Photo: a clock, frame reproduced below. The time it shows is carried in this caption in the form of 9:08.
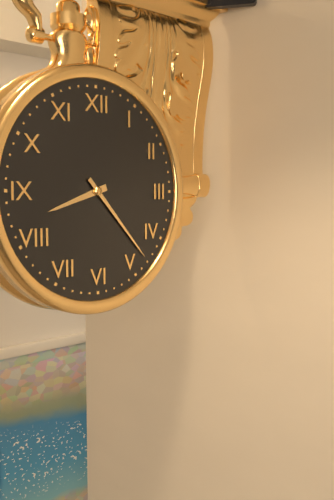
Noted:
8:23
